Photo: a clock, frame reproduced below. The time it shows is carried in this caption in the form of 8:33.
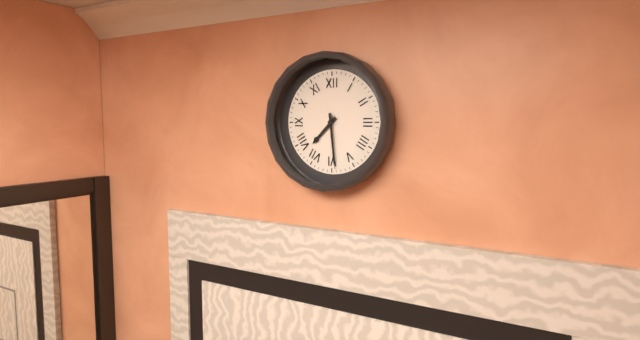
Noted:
7:29
